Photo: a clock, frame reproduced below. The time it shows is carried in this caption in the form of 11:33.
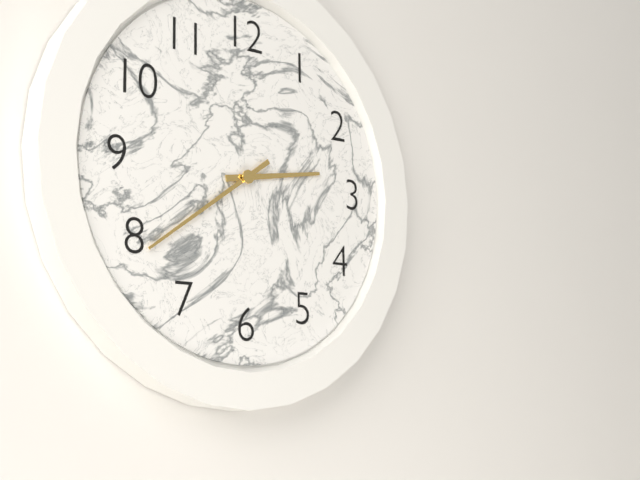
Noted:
2:39
